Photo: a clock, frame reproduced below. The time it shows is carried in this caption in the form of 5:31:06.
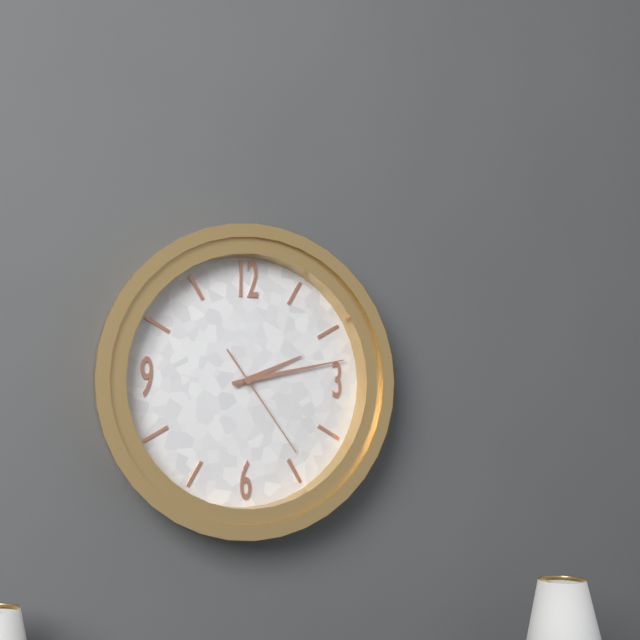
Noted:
2:13:24
